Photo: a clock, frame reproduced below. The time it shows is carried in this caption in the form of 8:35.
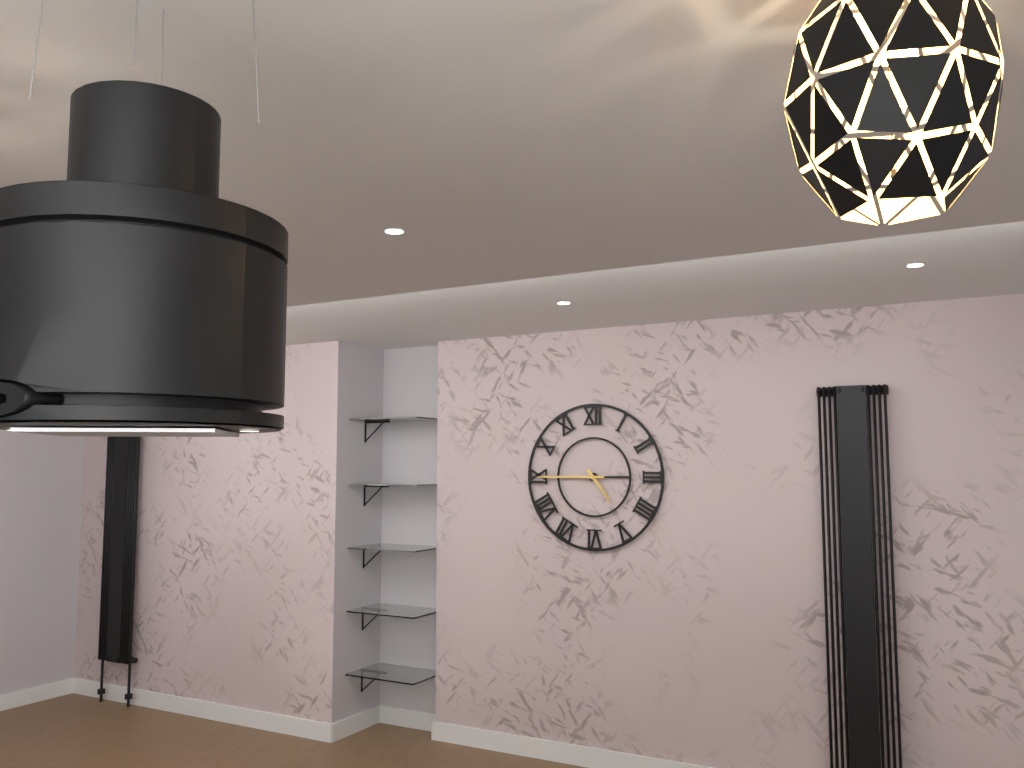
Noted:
4:45
